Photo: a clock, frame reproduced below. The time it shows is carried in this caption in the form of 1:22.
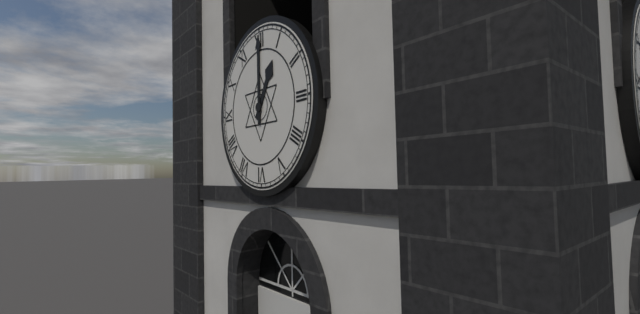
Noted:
1:00
